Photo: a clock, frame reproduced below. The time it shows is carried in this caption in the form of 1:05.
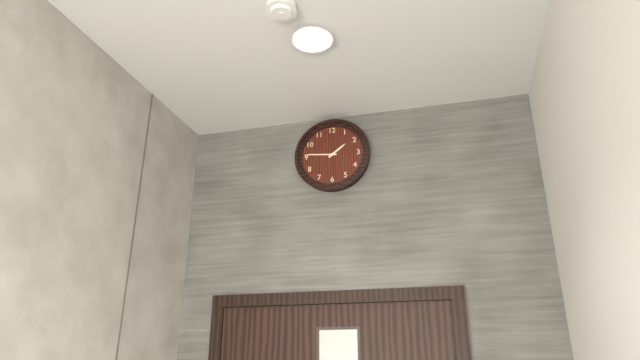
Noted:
1:46
